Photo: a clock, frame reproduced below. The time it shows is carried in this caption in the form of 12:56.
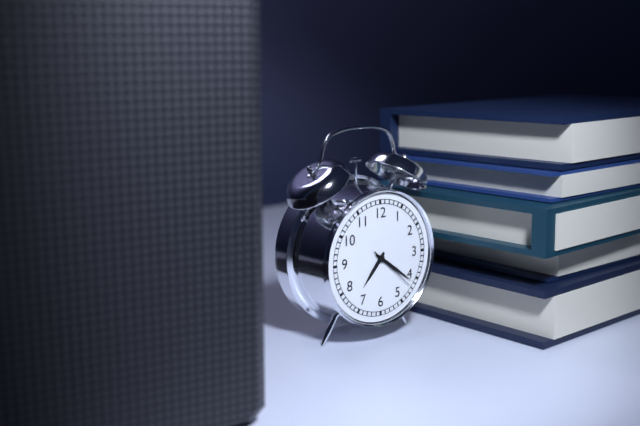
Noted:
7:21
